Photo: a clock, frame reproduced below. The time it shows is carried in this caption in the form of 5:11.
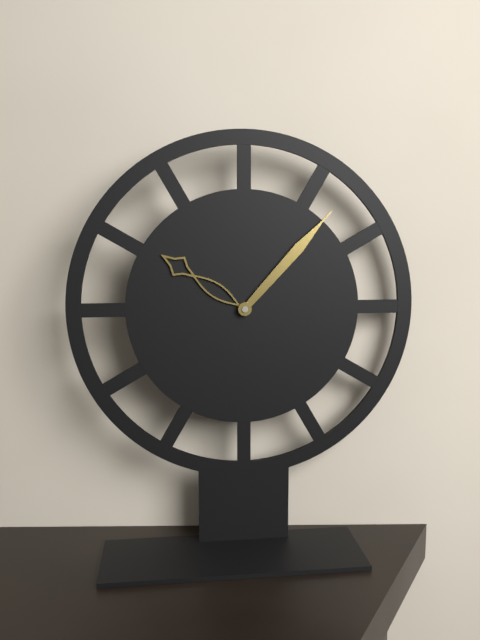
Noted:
10:07
